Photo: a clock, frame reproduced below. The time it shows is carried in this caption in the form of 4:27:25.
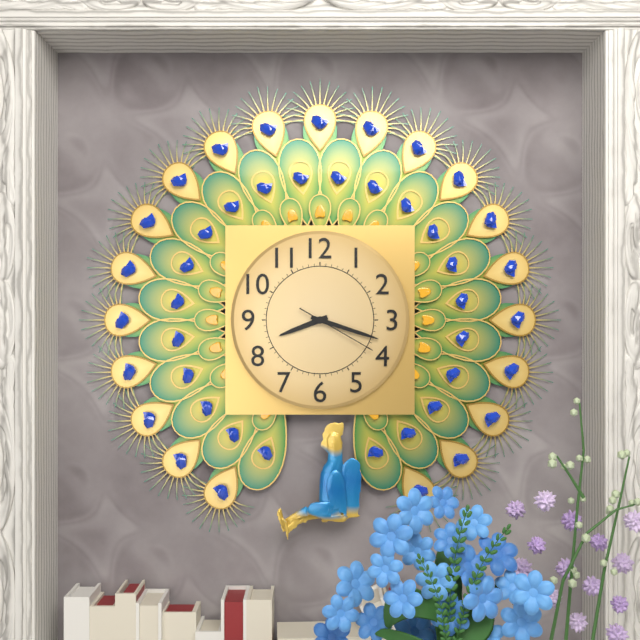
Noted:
8:18:20
